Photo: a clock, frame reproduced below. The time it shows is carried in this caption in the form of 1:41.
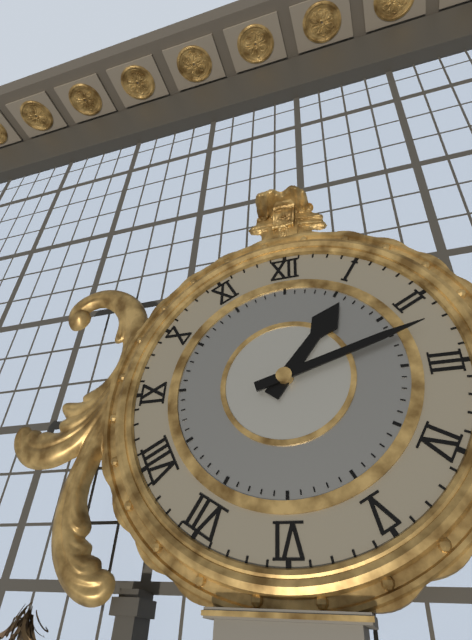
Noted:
1:12
